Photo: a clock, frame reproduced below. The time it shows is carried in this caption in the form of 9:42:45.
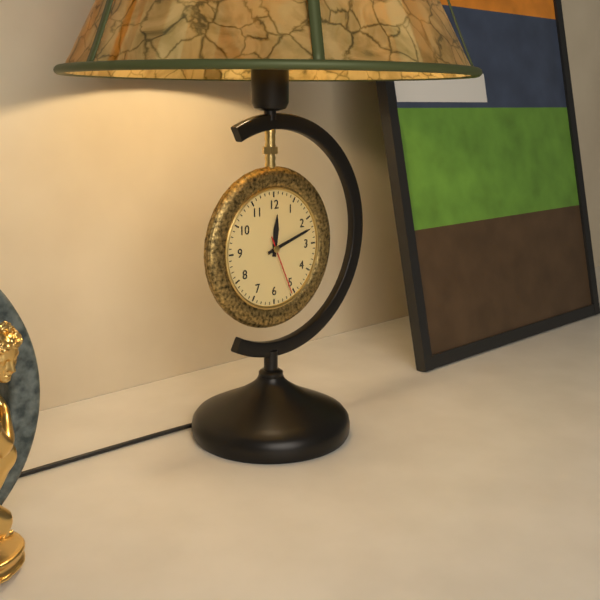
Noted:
12:12:26
